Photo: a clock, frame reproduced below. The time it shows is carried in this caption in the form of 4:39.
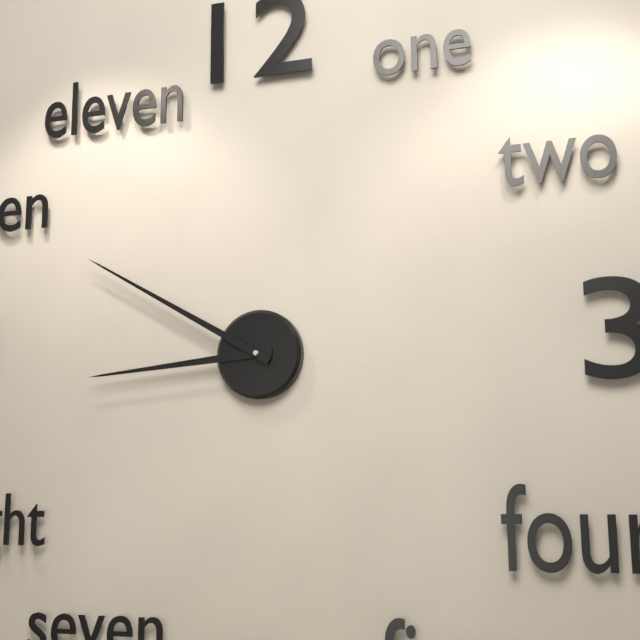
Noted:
8:50
